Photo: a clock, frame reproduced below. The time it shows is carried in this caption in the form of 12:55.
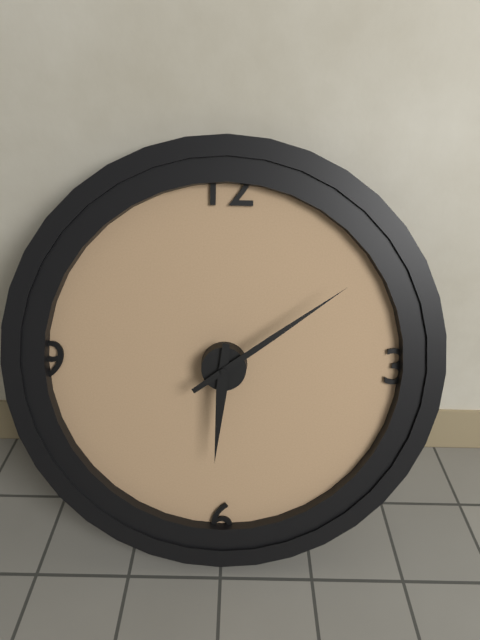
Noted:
6:09
